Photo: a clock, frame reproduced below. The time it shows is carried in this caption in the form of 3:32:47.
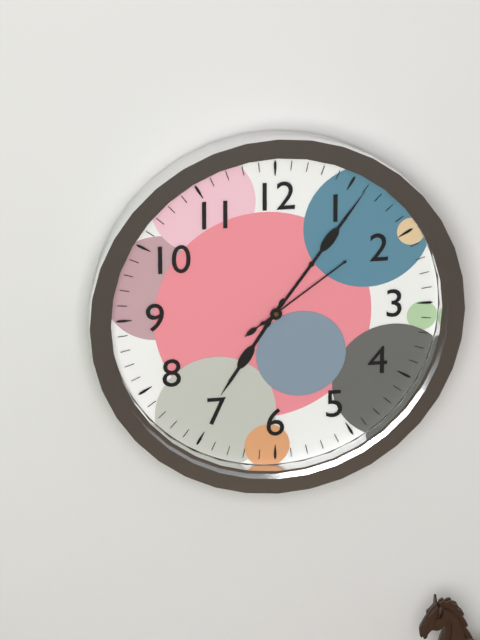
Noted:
7:06:09
